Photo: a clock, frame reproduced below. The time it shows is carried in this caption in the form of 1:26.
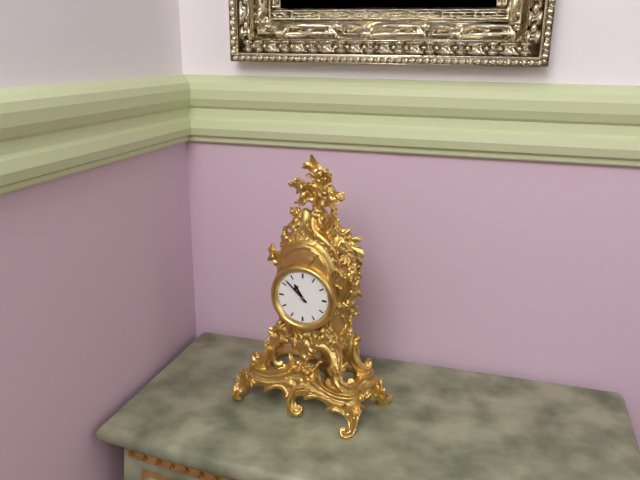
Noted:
10:52
